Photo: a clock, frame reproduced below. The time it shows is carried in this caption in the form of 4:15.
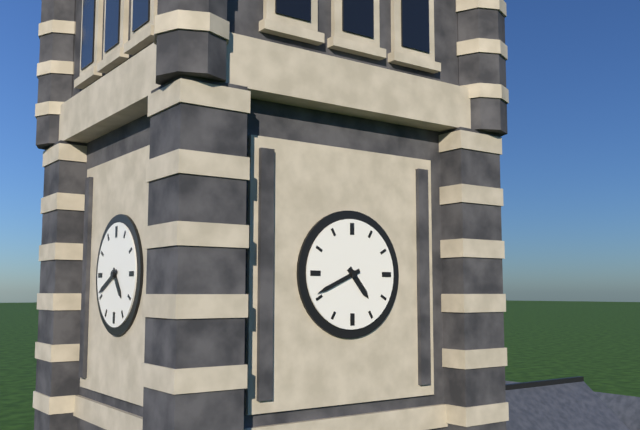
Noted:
4:41
